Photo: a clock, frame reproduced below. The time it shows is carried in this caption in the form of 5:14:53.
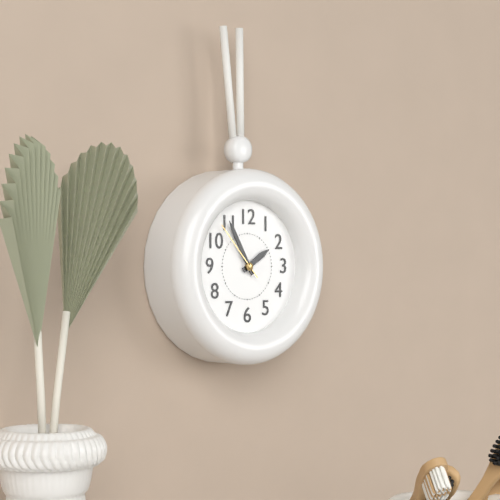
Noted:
1:55:53
